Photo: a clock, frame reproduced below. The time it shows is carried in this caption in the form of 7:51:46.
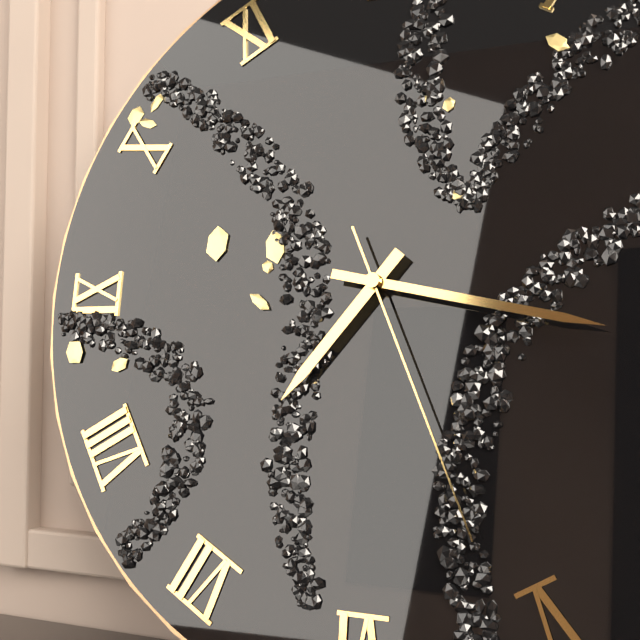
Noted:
7:17:26
